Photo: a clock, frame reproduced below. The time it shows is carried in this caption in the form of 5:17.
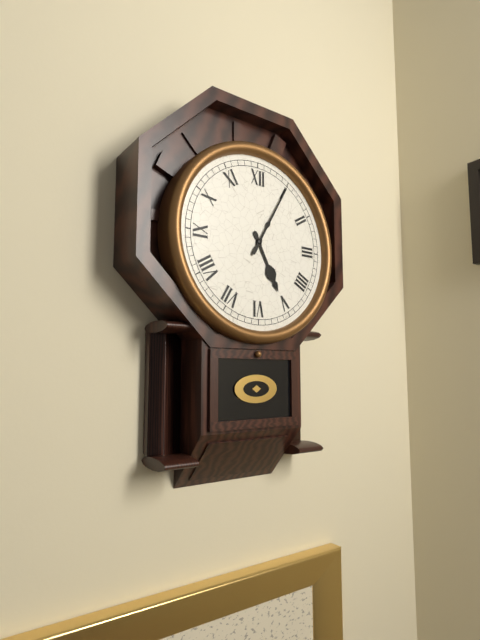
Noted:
5:05
